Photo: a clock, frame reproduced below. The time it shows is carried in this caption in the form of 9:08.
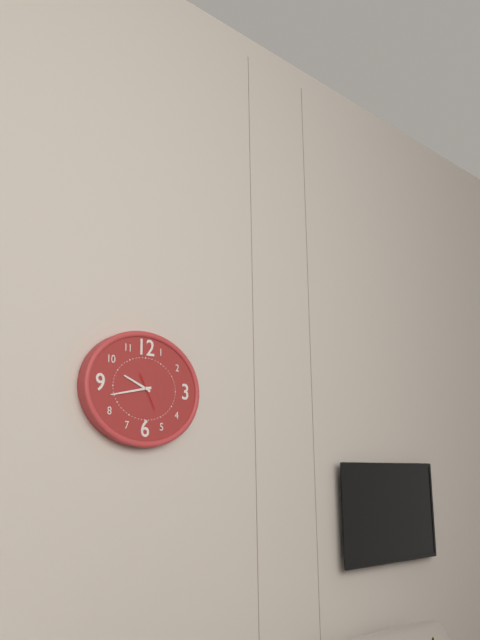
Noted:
9:43
